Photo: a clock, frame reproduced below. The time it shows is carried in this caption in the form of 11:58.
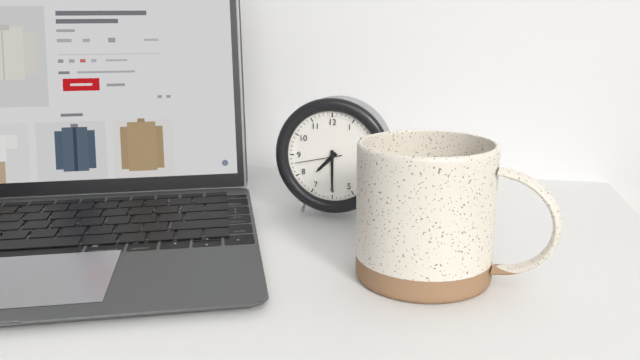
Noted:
7:30
